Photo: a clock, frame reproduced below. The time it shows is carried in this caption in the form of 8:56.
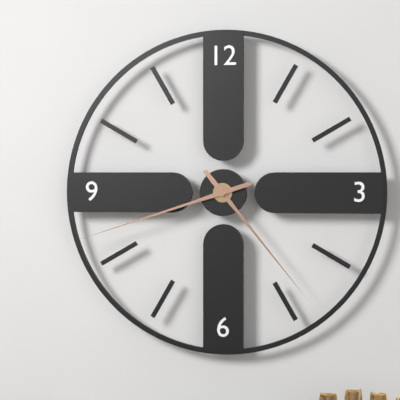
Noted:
4:42
